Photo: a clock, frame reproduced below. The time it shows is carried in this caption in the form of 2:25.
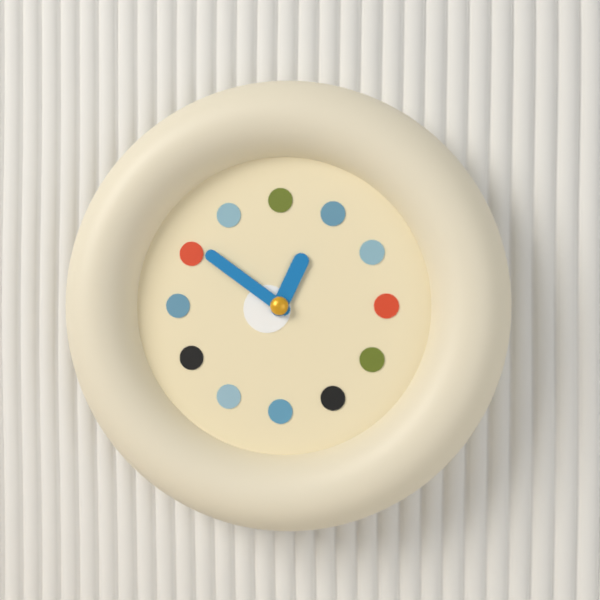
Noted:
12:51
